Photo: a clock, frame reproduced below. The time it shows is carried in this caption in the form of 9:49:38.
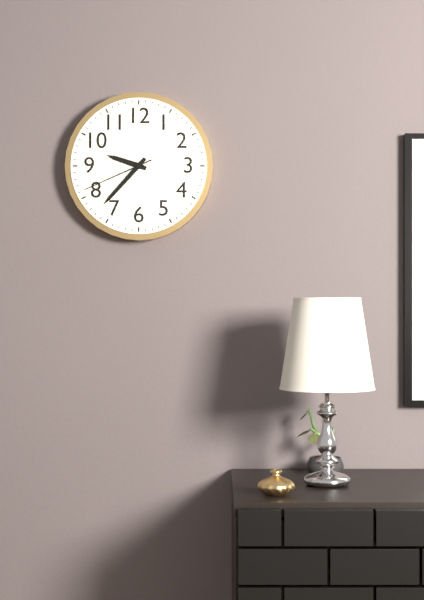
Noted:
9:37:41
